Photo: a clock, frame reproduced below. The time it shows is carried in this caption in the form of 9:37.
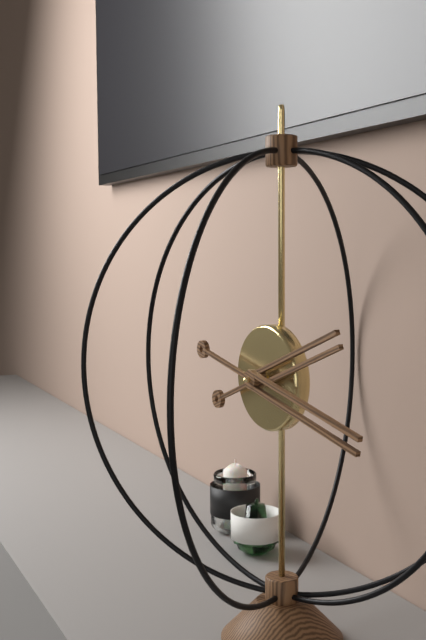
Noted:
2:17
